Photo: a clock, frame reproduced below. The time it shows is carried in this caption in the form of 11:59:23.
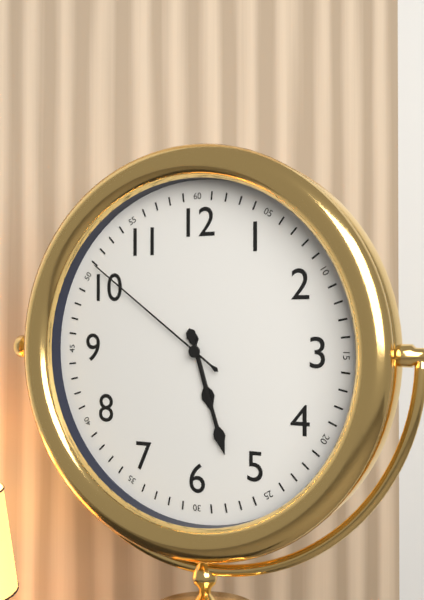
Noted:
5:27:51
